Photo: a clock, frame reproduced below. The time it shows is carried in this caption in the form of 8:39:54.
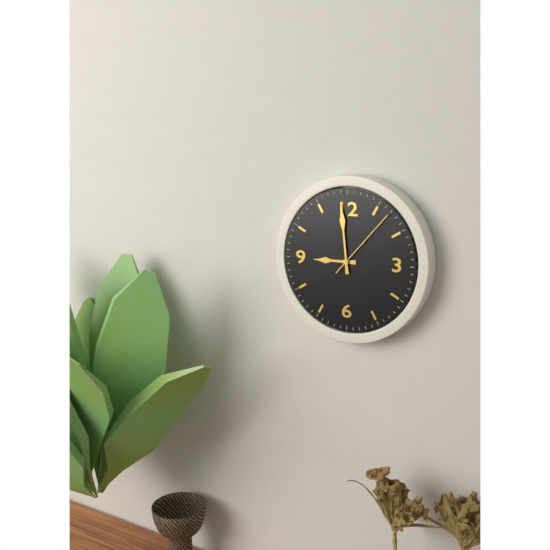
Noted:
8:59:07
